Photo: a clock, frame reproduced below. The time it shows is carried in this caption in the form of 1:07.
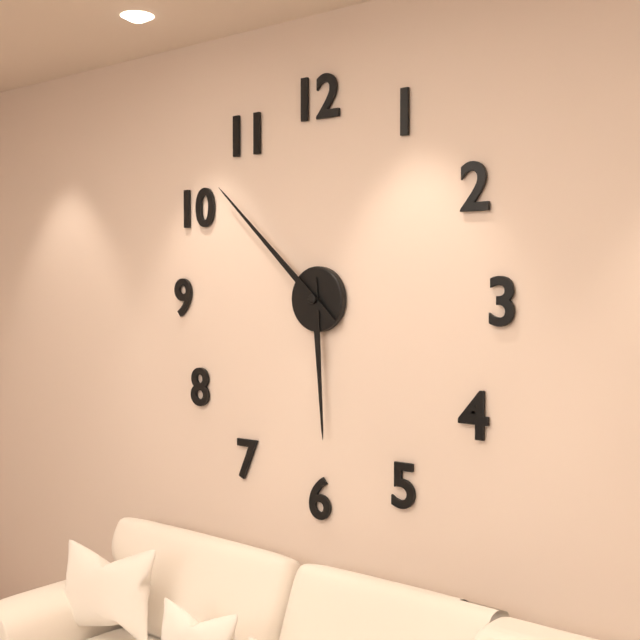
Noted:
5:52
